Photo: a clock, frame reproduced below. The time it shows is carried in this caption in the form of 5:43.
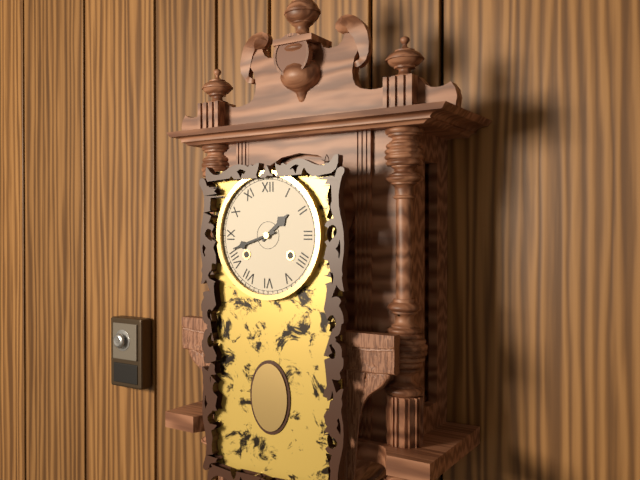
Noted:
1:42
